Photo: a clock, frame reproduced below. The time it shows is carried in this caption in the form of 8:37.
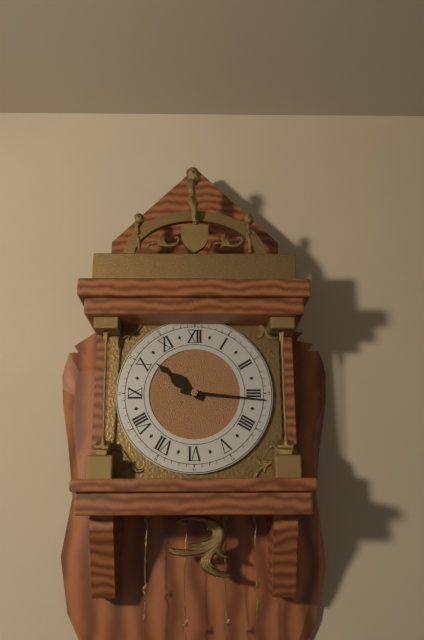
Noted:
10:16
